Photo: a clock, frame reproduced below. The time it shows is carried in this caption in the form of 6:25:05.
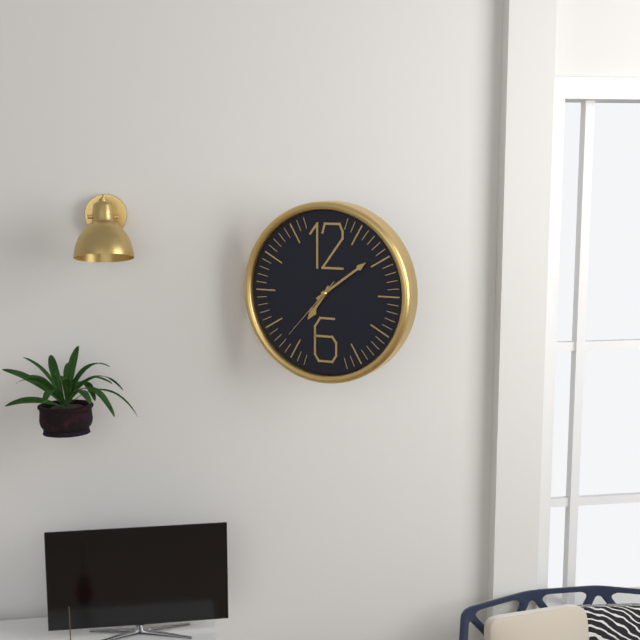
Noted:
7:09:37
